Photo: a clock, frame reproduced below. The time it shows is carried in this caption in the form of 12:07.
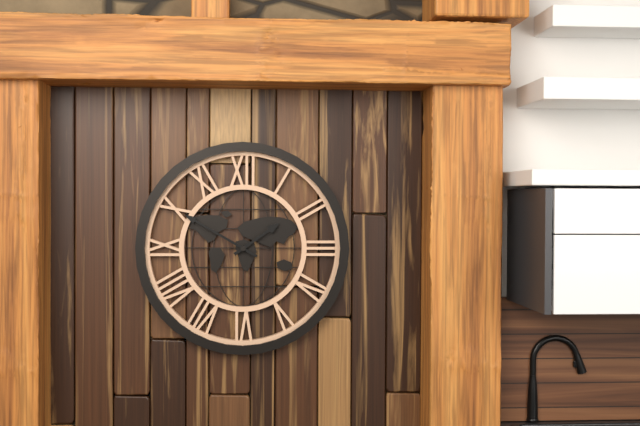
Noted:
1:50
